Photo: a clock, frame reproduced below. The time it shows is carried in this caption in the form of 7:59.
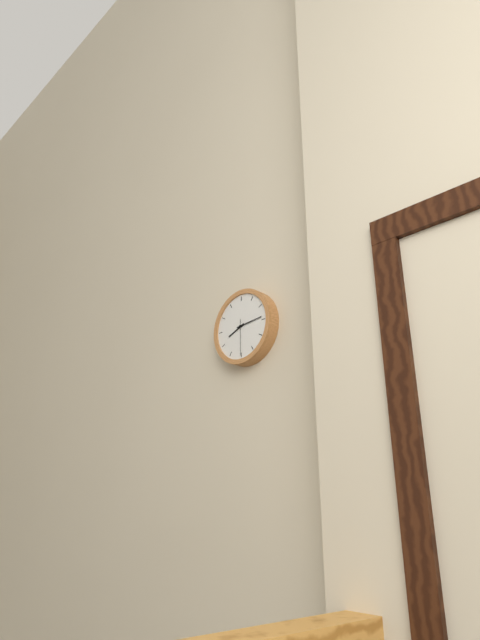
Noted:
8:14
